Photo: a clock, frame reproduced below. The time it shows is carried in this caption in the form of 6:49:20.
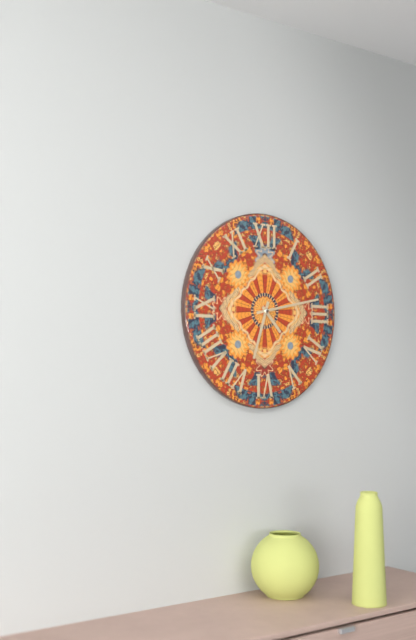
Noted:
4:33:13
